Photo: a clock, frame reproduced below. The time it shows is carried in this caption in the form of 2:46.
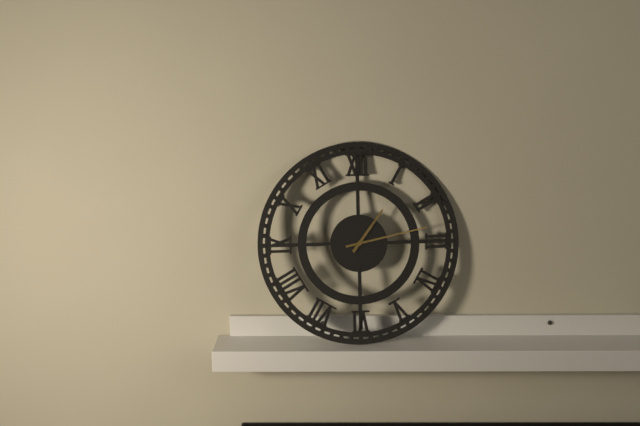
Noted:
1:13
